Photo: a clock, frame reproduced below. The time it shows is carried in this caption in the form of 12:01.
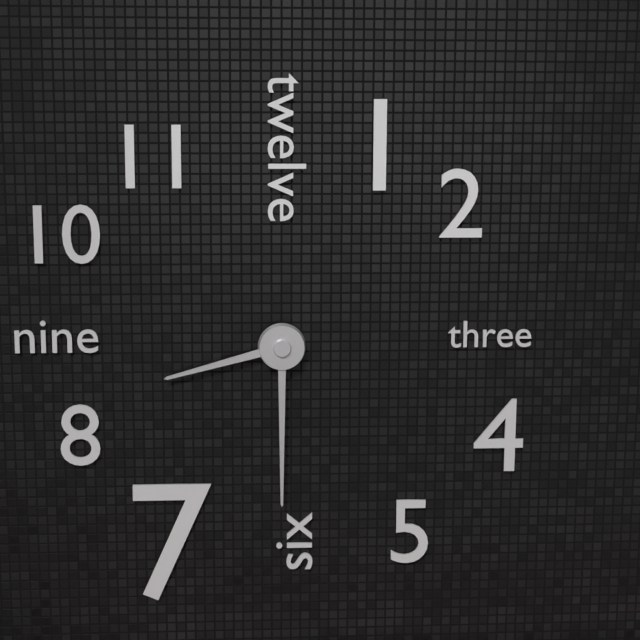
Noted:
8:30
